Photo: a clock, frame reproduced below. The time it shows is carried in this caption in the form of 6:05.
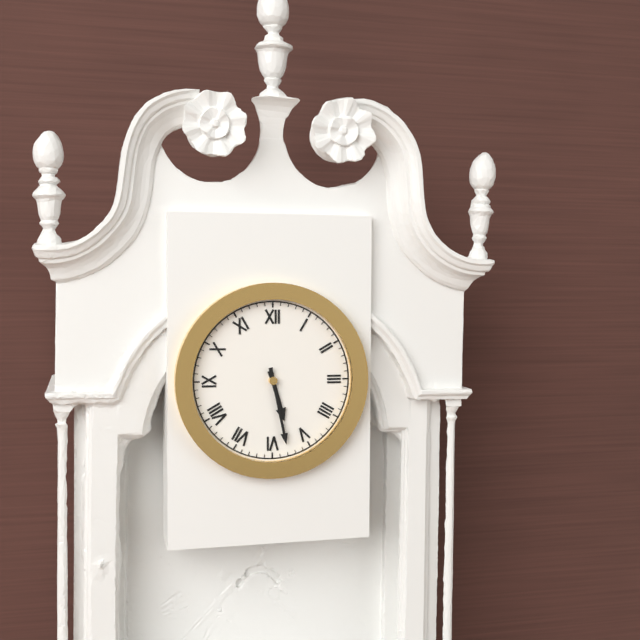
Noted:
5:28
